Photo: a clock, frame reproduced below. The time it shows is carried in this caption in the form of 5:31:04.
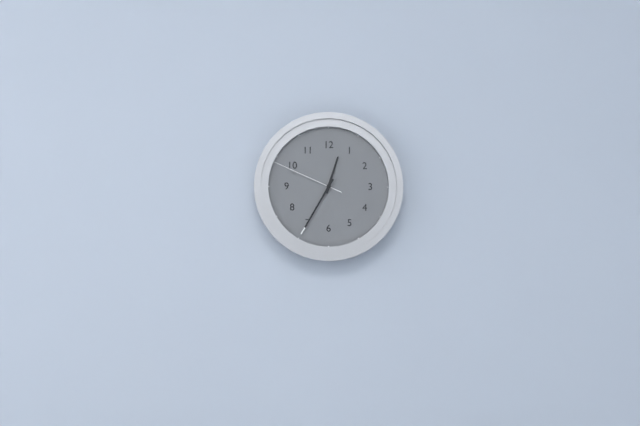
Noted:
12:35:49
